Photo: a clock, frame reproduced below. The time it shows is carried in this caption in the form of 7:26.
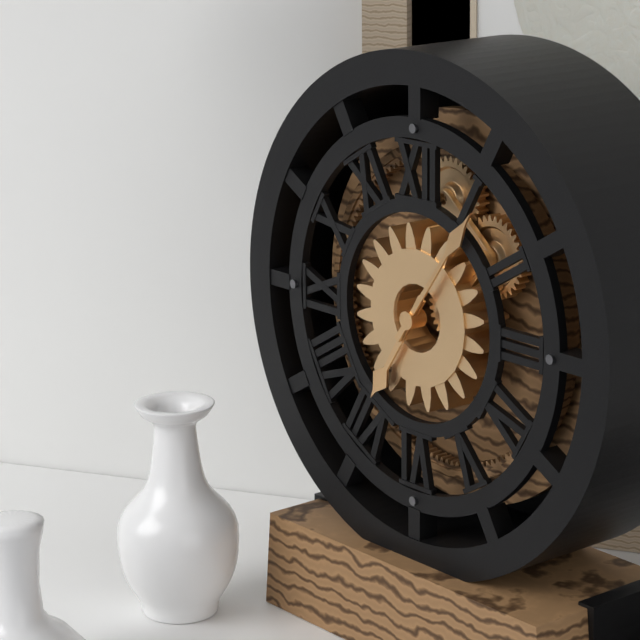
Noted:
7:06
